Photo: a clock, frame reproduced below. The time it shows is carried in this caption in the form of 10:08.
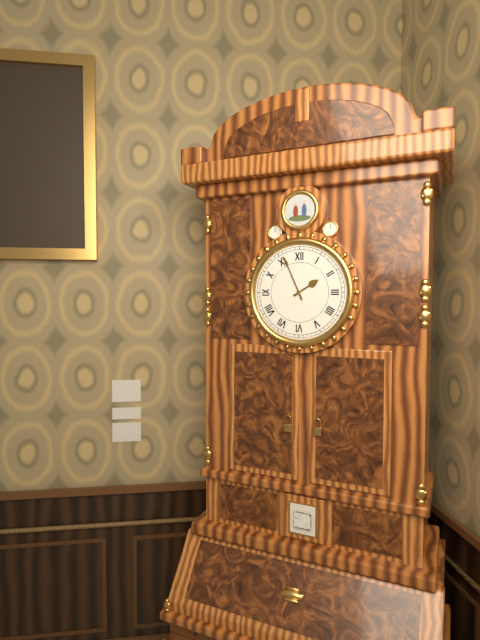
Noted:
1:56
